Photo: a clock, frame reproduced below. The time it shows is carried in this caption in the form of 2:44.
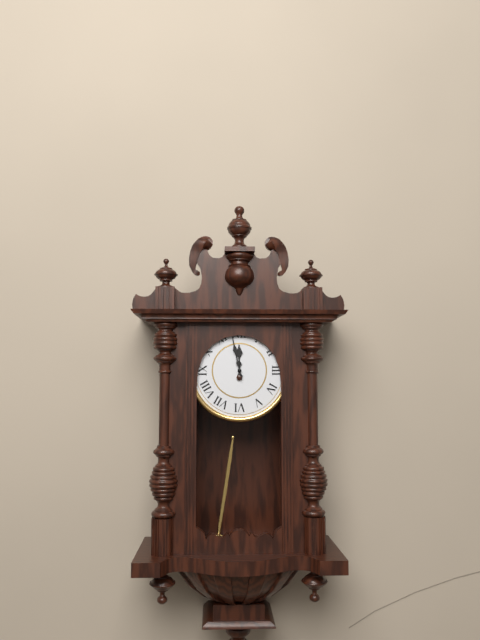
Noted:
11:58
